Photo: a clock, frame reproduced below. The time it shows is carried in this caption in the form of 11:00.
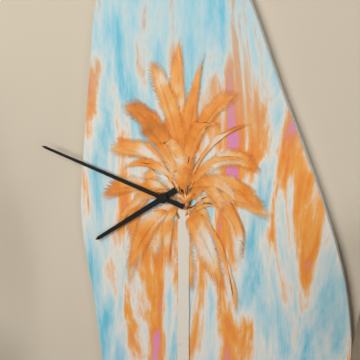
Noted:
7:48
